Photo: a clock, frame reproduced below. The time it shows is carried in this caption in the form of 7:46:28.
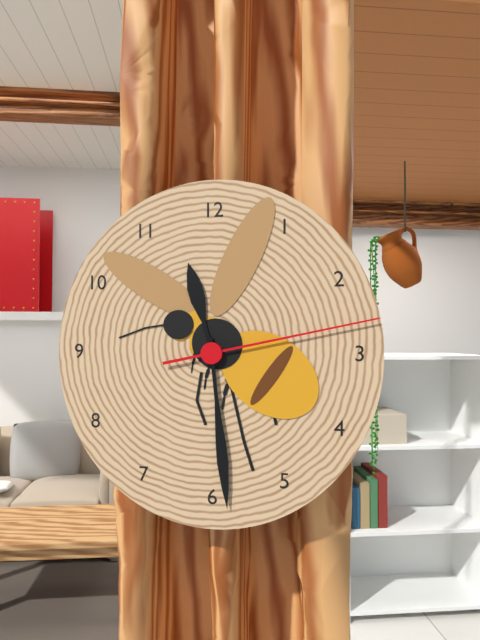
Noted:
11:29:13
